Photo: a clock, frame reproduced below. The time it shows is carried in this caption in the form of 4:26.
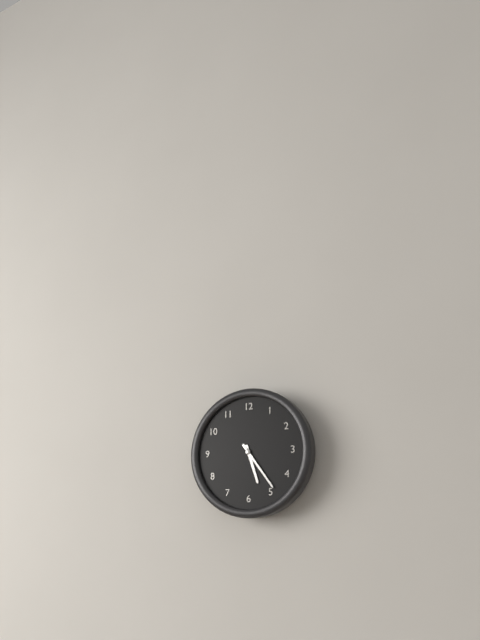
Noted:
5:24
